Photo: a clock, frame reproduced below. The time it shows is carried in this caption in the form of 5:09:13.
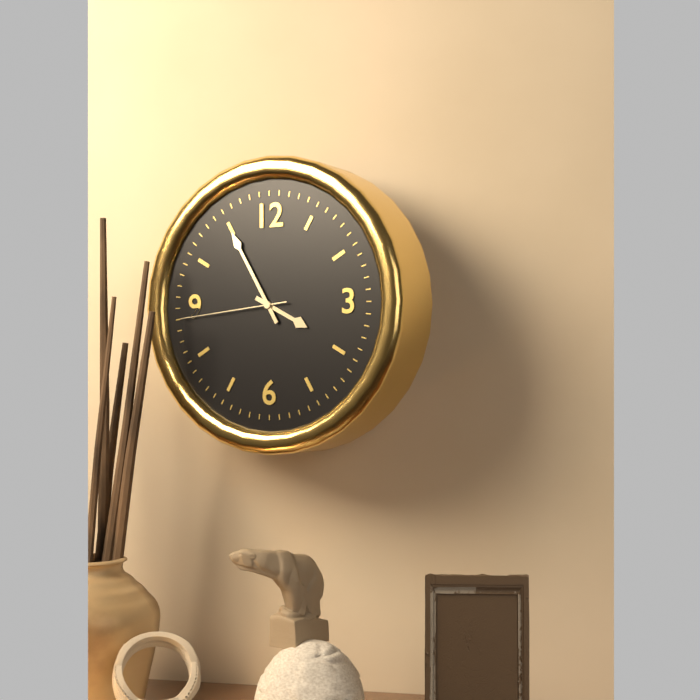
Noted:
3:55:44
